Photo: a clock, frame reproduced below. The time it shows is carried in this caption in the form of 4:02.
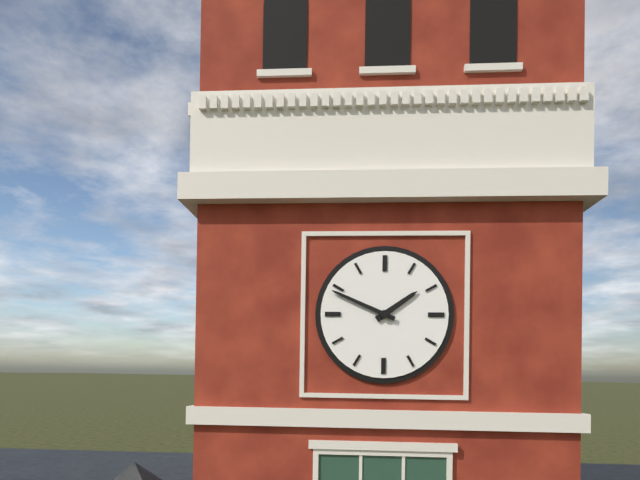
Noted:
1:49
